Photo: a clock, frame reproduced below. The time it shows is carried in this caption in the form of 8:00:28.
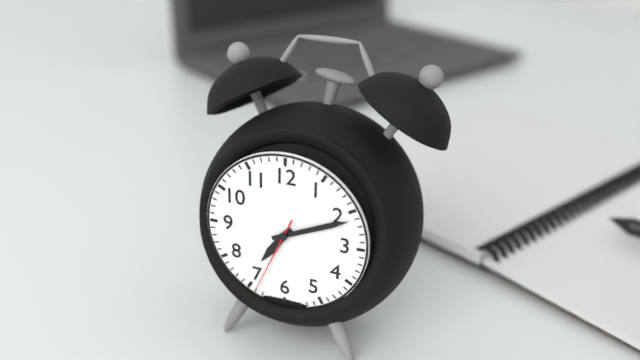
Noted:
7:11:34
